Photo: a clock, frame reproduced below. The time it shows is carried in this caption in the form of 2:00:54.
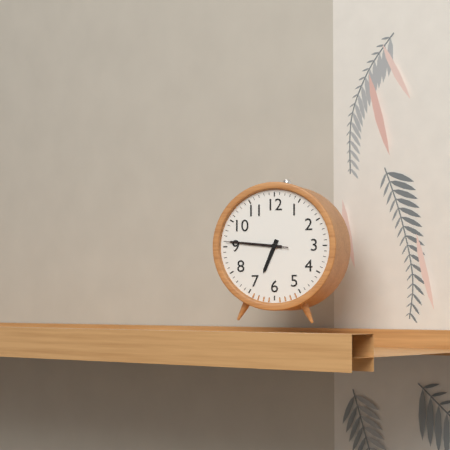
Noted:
6:46:46
